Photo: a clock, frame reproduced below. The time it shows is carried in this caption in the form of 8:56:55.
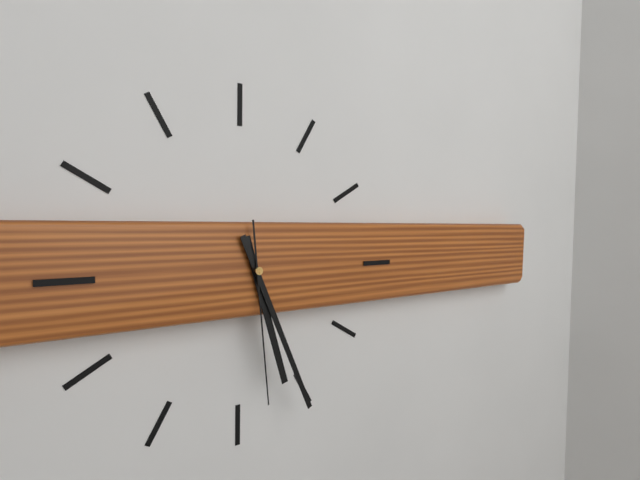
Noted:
5:26:29
